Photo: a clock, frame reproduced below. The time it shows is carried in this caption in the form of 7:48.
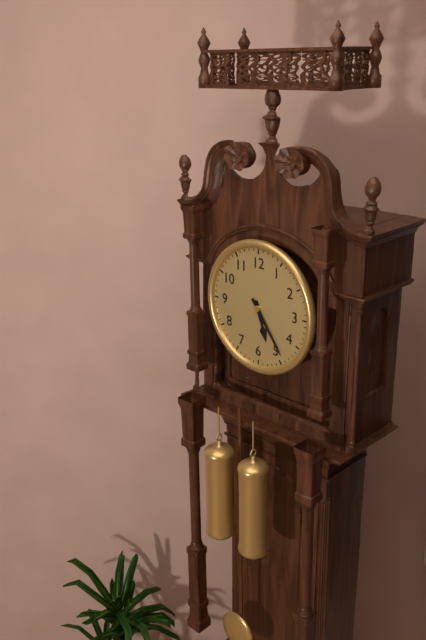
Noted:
5:24
